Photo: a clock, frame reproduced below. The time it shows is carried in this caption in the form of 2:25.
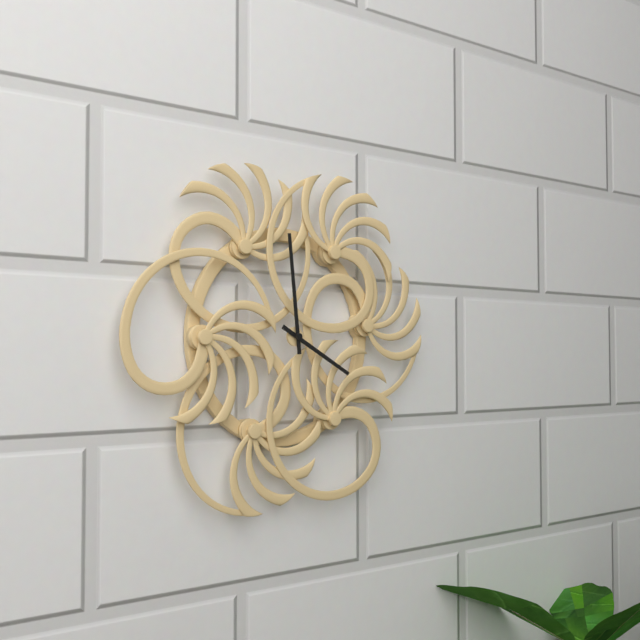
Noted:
3:59
